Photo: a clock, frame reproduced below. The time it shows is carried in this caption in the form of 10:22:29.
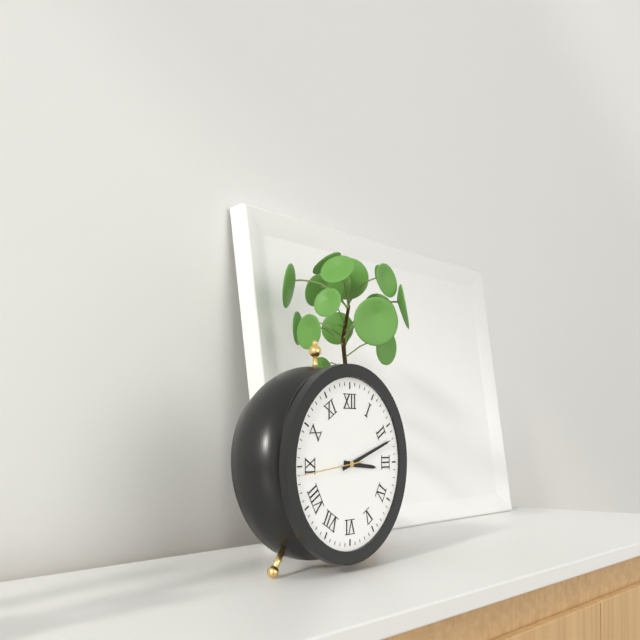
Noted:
3:12:44
